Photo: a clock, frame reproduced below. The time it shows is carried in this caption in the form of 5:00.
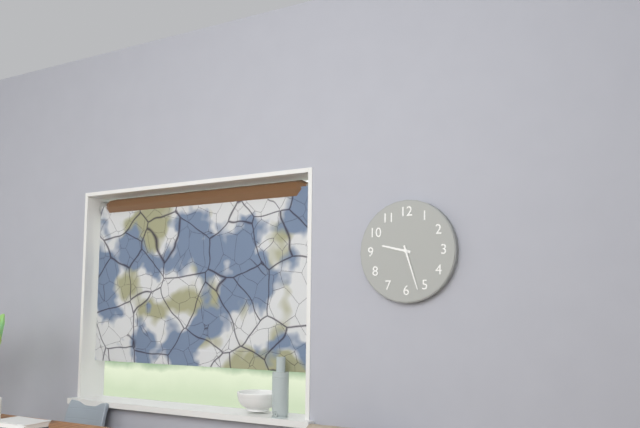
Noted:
9:27
